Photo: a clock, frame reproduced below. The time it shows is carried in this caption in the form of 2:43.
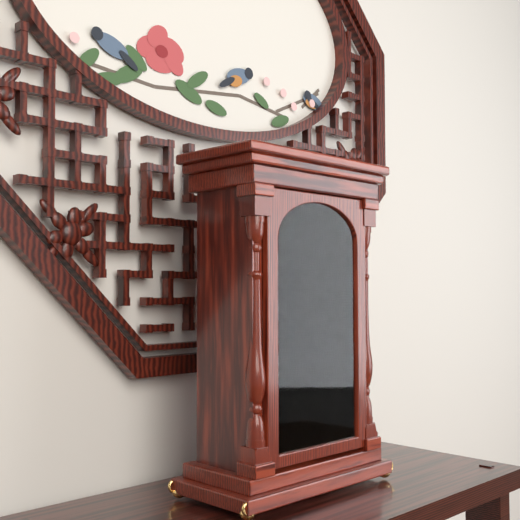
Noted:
3:55
